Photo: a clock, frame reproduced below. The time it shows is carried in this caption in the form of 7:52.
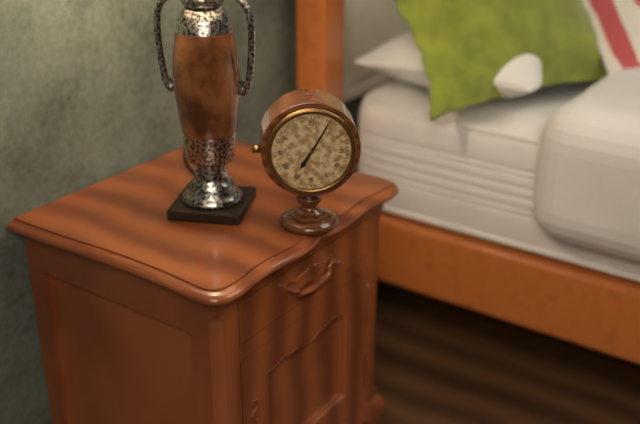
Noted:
7:05
